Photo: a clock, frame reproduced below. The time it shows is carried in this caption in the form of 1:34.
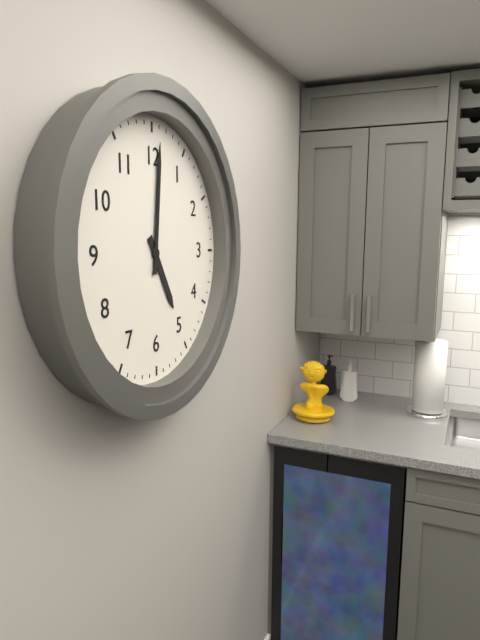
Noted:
5:01
